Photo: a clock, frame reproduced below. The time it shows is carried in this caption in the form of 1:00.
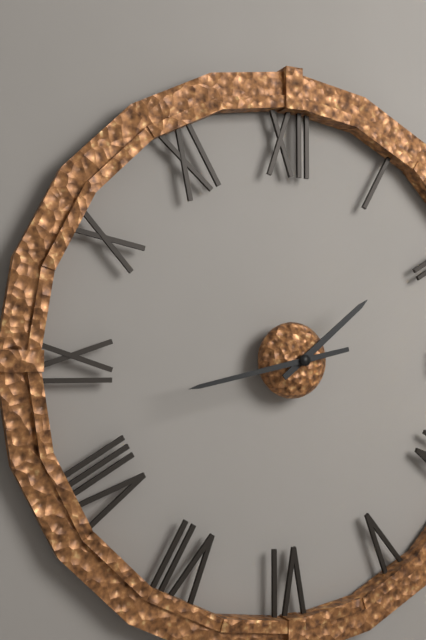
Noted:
1:43
